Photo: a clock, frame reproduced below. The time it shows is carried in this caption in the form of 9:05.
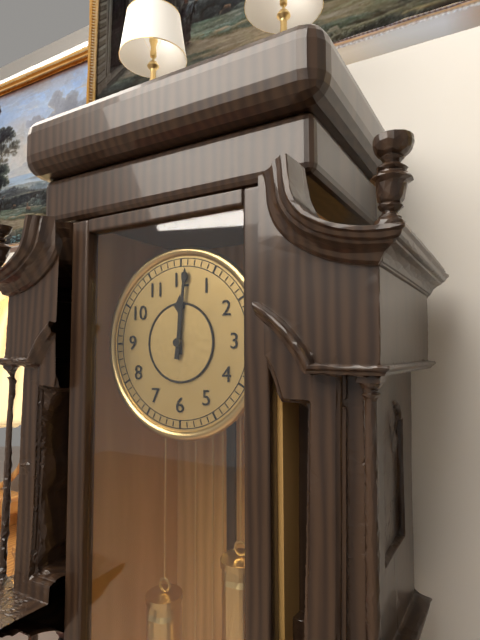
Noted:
12:01
